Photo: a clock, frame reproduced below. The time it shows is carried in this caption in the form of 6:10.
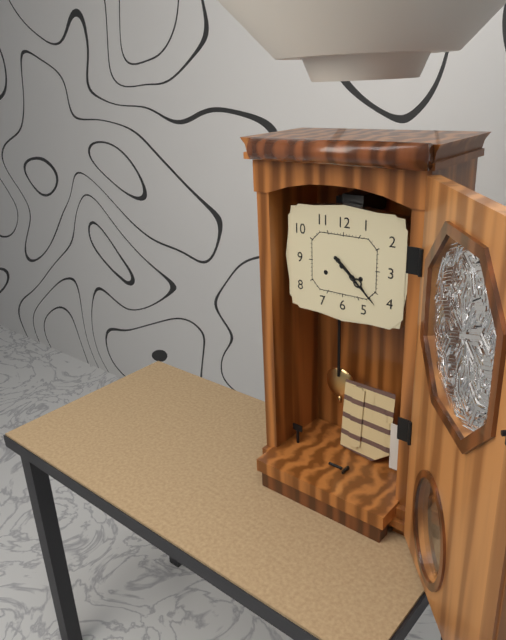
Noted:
4:22
